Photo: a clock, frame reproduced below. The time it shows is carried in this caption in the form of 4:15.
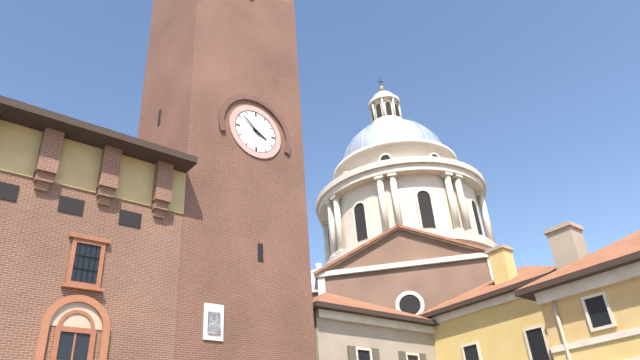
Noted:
3:52
